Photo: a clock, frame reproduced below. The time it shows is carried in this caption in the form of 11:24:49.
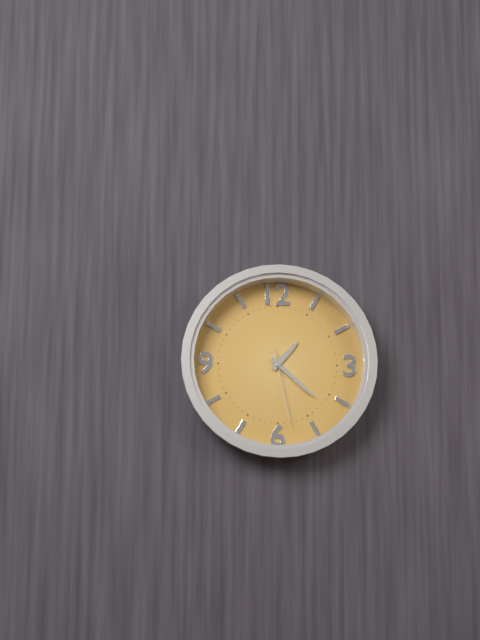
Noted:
1:22:28
